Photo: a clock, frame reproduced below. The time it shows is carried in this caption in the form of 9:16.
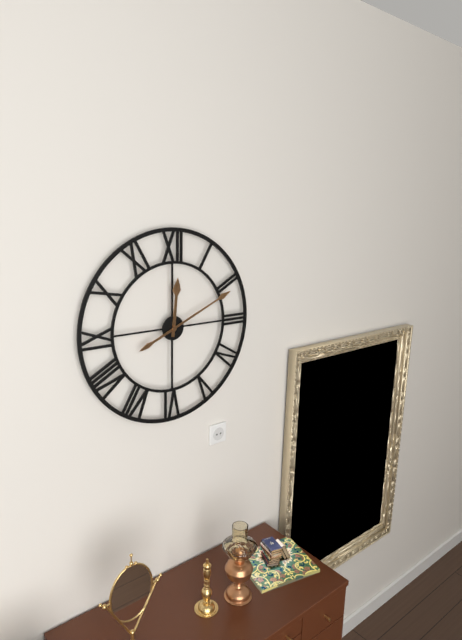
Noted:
12:11
